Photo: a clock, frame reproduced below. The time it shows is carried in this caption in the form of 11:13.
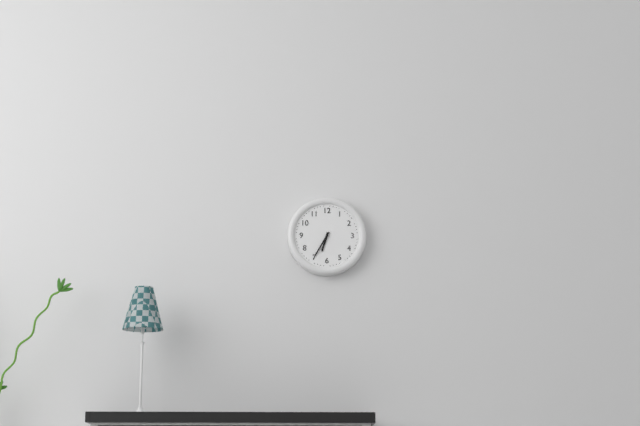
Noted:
6:35
